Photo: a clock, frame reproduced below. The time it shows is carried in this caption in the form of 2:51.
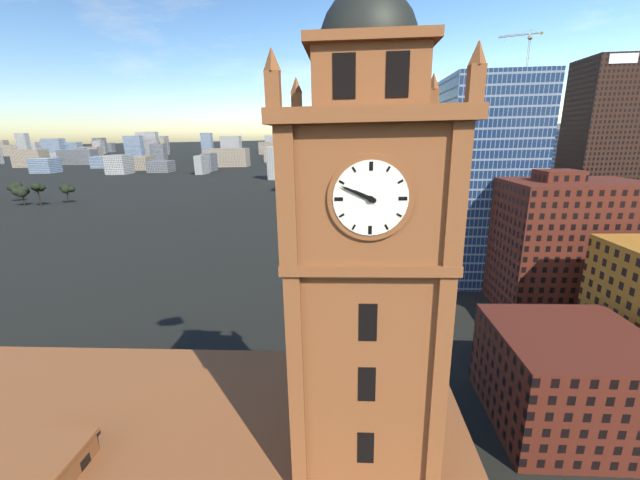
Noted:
9:49
